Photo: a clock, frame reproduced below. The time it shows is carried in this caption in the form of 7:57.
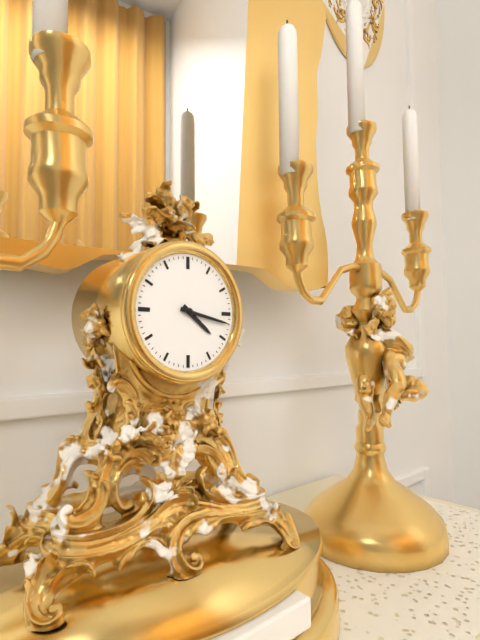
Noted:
4:17
